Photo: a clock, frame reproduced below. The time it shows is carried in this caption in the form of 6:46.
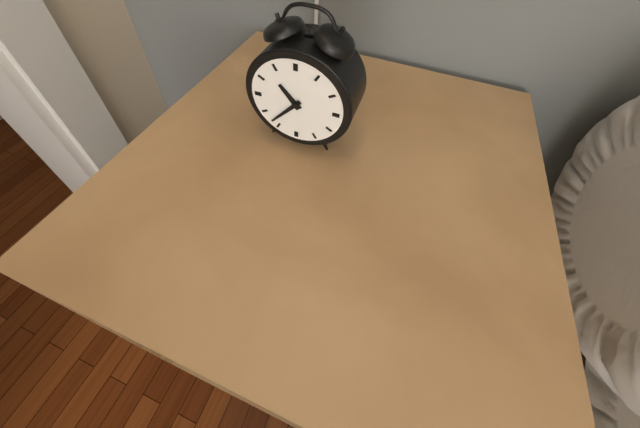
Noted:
10:37
